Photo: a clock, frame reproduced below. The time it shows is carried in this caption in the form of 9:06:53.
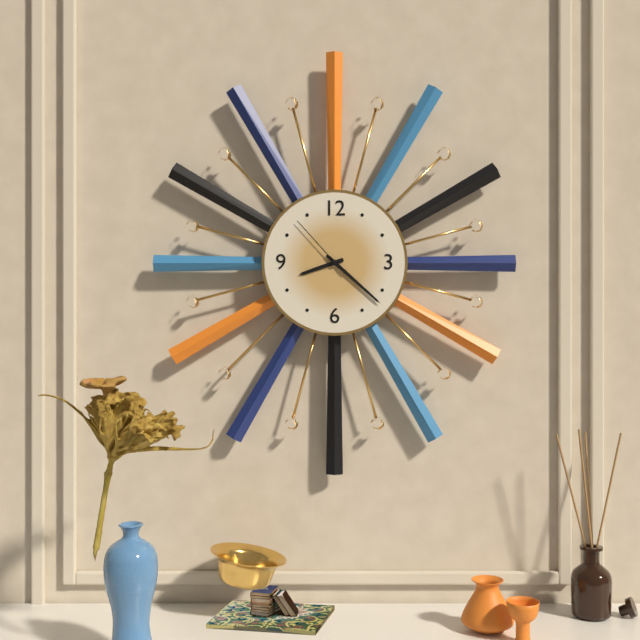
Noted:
8:22:53
